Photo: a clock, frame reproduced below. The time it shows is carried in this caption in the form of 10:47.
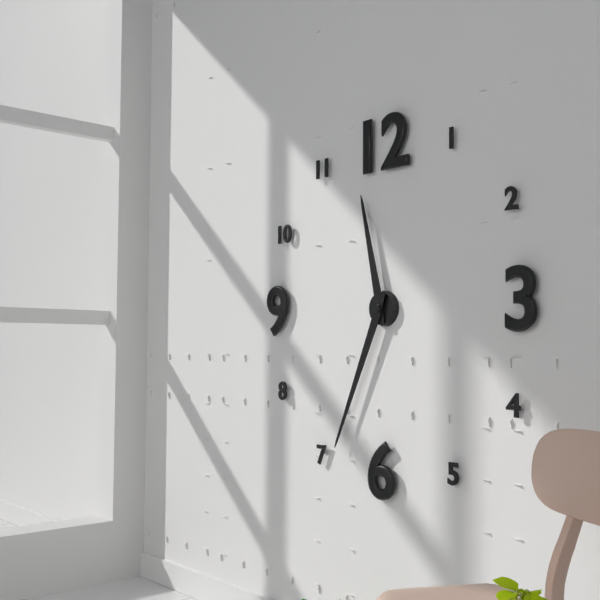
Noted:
11:34
